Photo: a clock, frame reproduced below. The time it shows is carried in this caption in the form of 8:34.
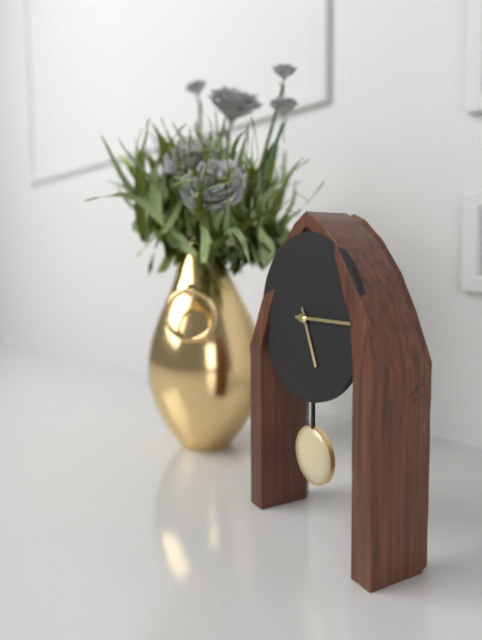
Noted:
5:15
